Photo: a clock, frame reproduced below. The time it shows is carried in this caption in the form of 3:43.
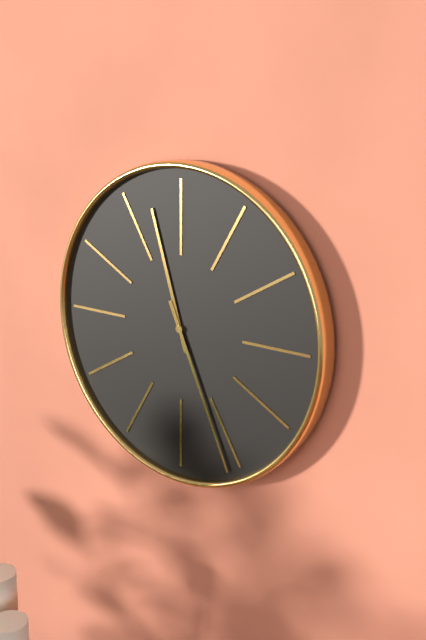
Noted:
11:26
